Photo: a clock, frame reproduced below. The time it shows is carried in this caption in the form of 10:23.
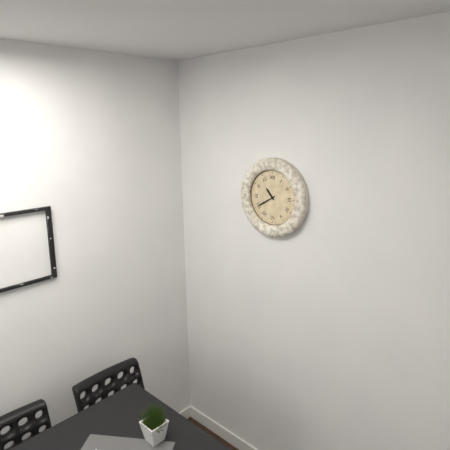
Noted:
10:40
